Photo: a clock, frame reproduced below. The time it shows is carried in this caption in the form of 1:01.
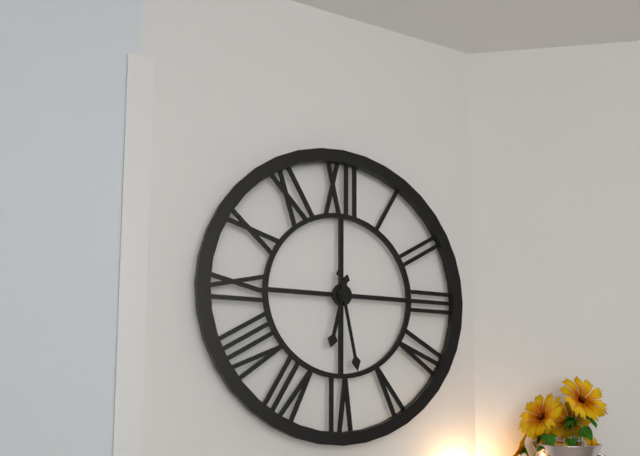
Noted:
6:28
